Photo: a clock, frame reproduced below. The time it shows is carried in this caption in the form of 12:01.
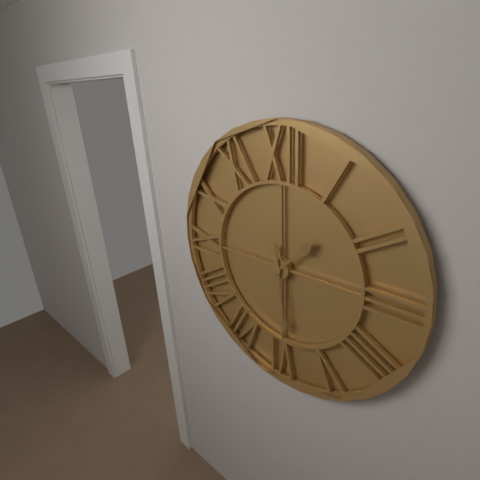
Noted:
1:29
